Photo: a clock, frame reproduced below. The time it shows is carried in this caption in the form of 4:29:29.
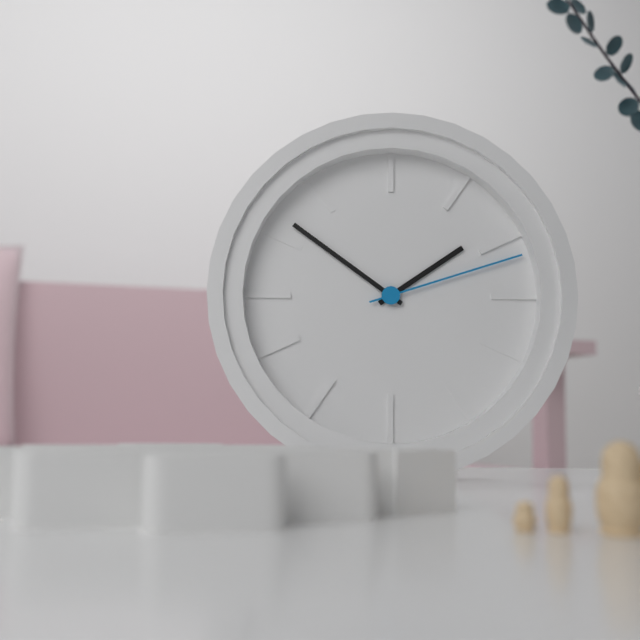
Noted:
1:51:12
